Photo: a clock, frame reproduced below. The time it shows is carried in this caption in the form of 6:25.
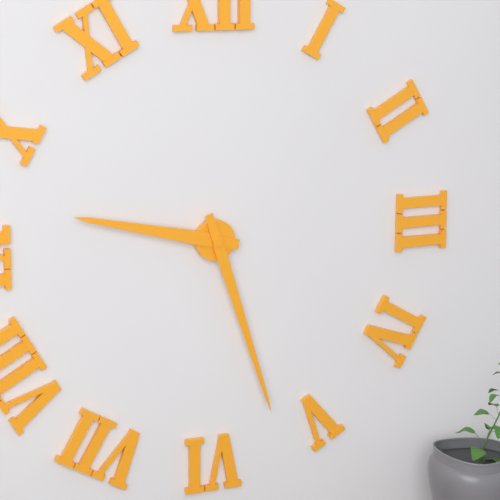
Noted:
9:27
